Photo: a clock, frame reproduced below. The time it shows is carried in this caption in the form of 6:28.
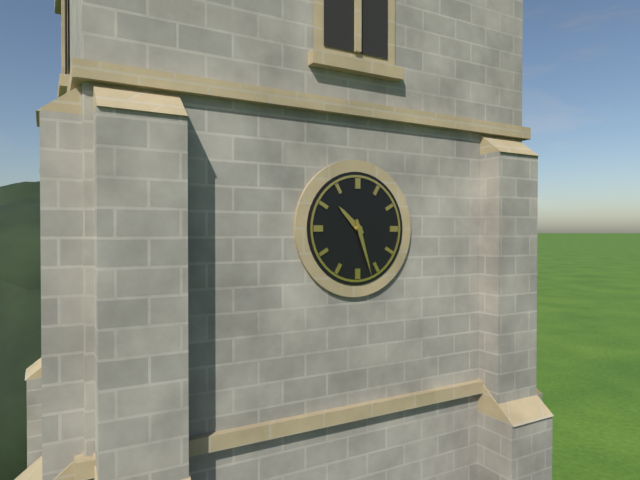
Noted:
10:27
